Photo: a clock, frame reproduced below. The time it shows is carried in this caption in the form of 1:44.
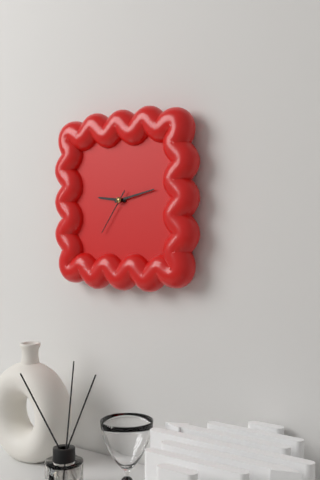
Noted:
9:13
